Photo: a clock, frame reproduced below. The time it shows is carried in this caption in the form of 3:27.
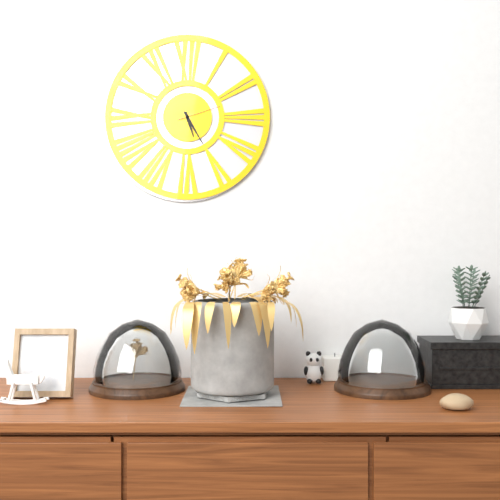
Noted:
5:25
